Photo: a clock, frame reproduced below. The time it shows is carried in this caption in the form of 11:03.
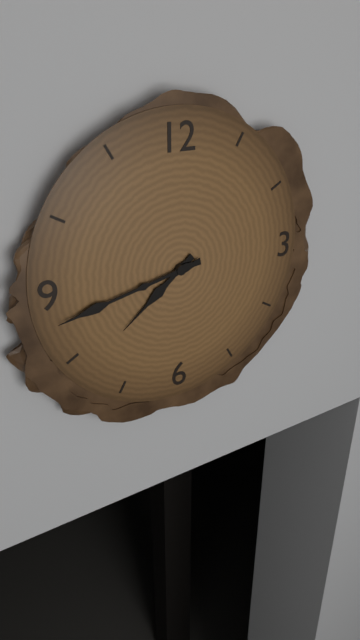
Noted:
7:43
